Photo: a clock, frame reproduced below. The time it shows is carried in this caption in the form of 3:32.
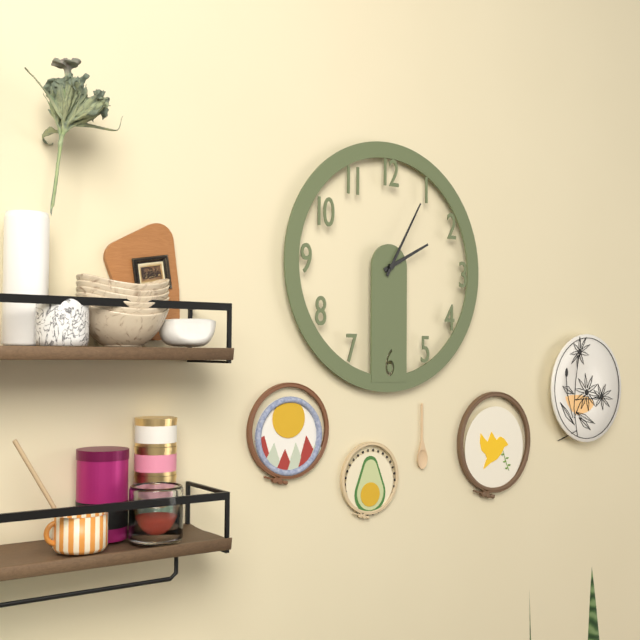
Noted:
2:05
